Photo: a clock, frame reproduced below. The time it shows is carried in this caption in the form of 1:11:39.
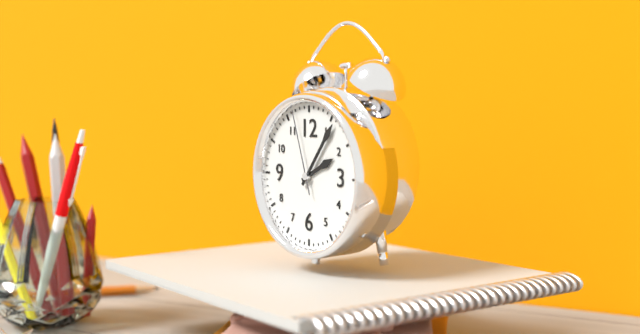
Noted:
2:06:57
